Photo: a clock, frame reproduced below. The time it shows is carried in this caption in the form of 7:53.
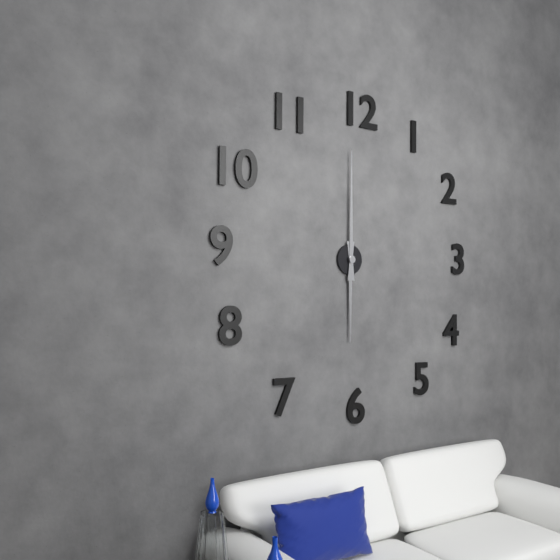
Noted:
6:00
